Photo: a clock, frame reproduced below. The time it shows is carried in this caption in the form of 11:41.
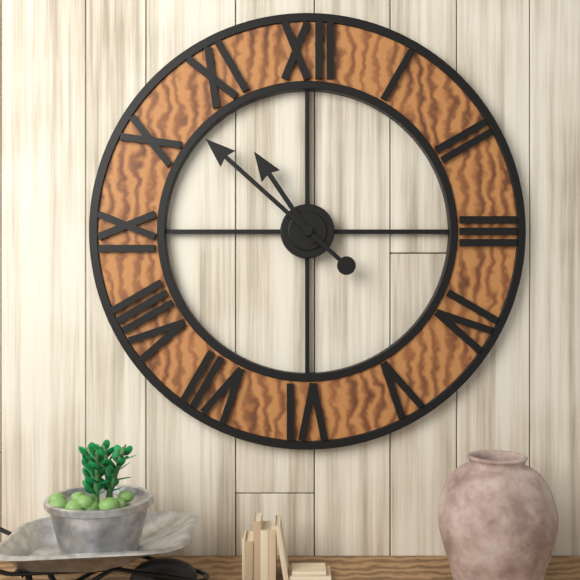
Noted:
10:52
